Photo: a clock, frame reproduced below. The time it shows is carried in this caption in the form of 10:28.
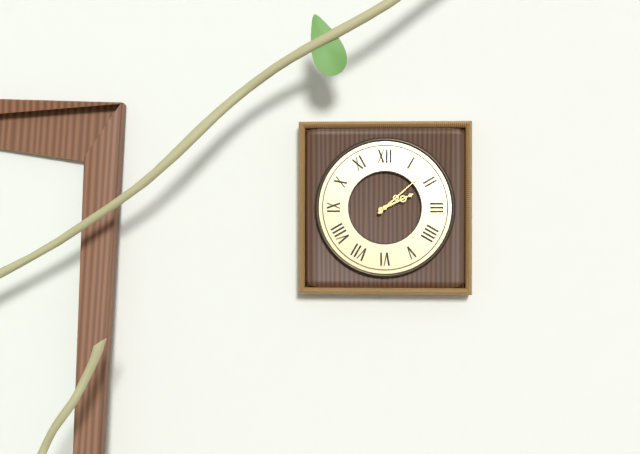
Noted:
2:08
